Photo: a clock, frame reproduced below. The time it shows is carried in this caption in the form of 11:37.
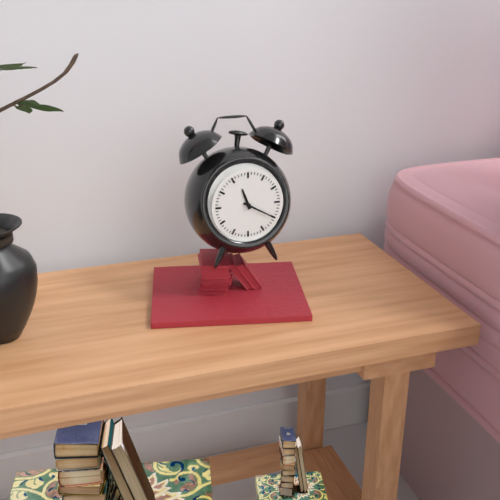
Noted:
11:20
